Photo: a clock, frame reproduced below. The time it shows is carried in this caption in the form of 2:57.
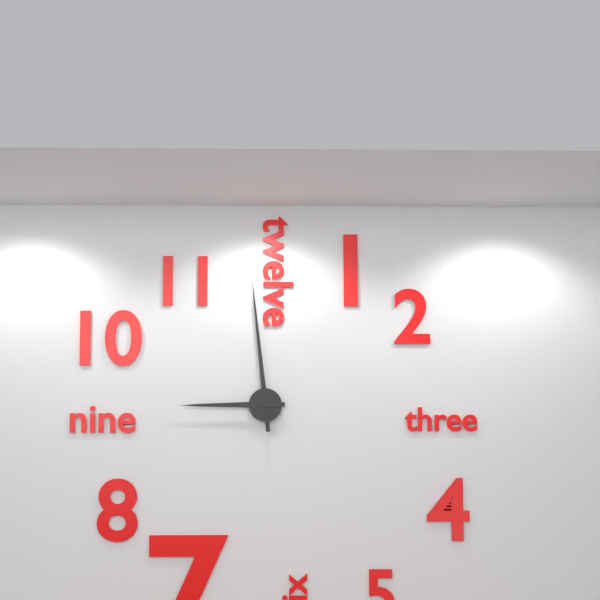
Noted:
8:59
